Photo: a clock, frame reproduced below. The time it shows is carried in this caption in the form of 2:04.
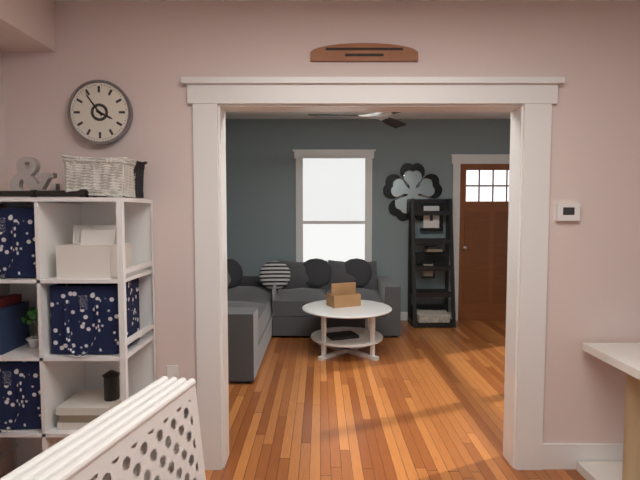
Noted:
3:54
